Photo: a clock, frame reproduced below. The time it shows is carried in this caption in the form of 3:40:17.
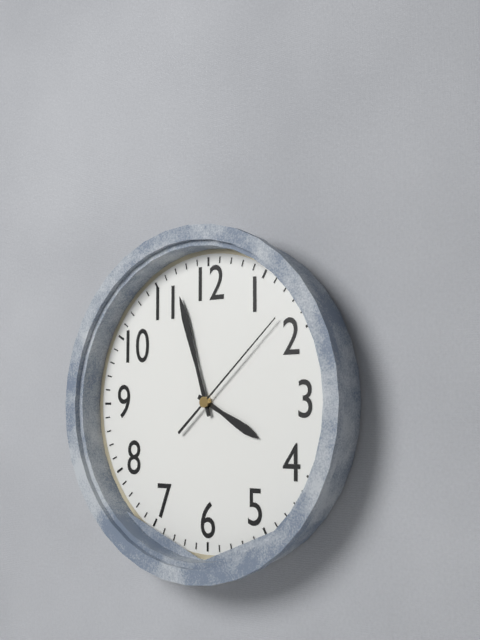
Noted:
3:57:08
